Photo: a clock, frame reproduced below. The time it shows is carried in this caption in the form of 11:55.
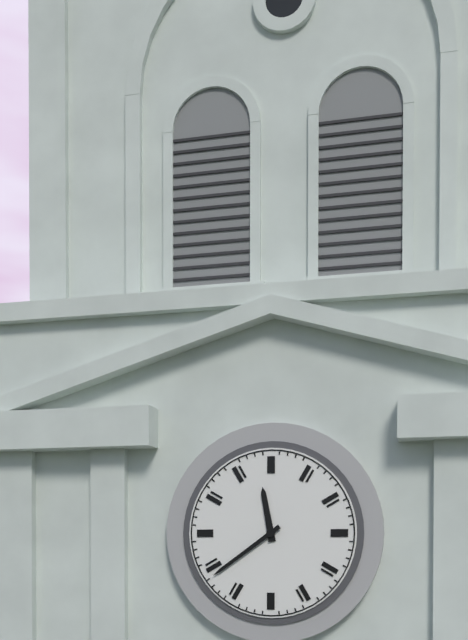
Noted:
11:39
